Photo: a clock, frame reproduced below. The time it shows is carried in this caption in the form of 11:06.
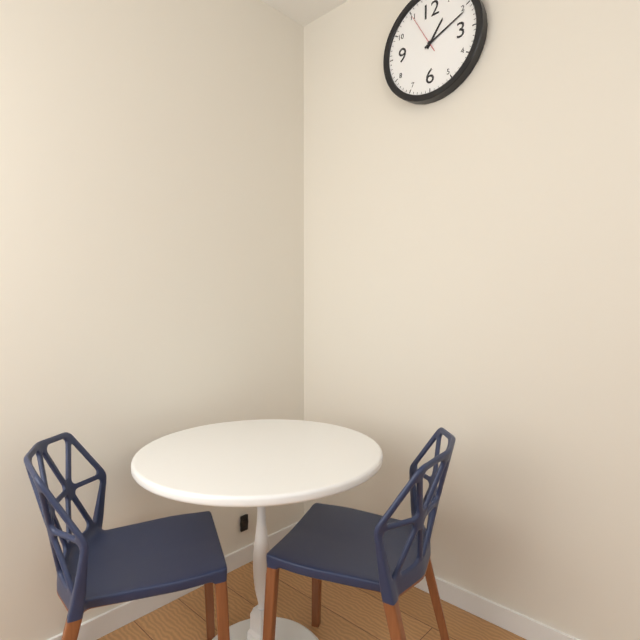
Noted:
1:11
